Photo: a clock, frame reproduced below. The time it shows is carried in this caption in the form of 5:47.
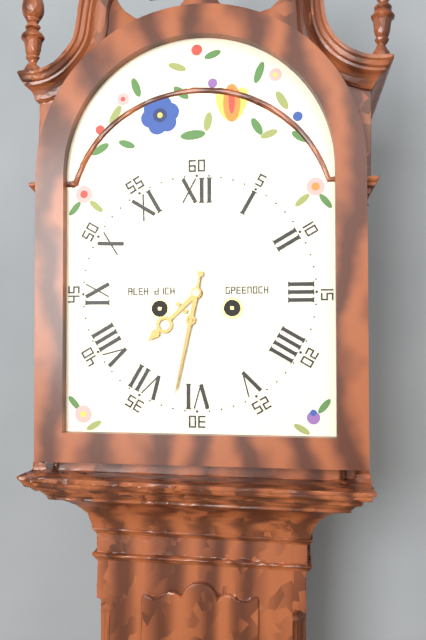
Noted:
7:32
